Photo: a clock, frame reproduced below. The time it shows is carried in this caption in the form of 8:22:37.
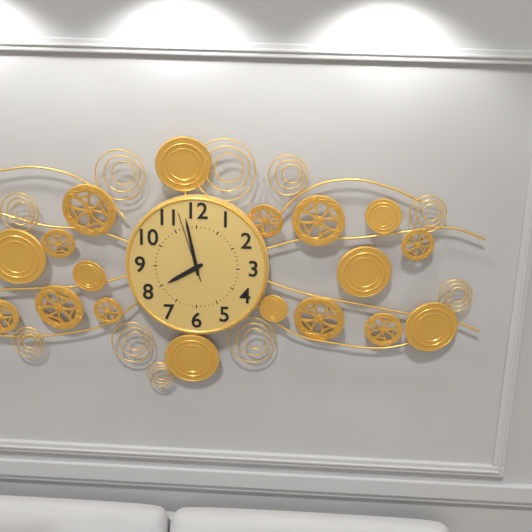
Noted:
7:58:57
